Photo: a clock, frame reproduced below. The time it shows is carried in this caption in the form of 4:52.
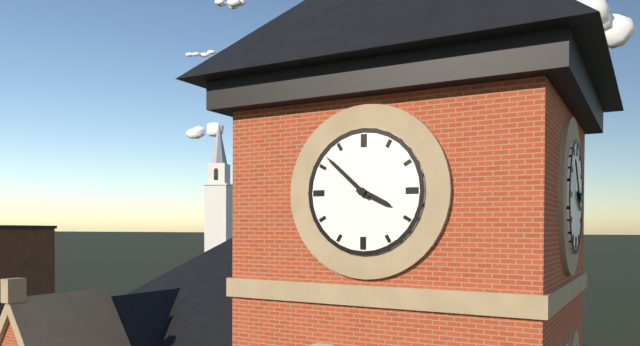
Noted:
3:52
